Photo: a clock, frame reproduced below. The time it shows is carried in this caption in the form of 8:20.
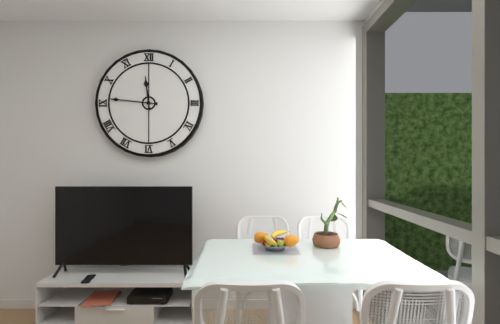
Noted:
11:46
